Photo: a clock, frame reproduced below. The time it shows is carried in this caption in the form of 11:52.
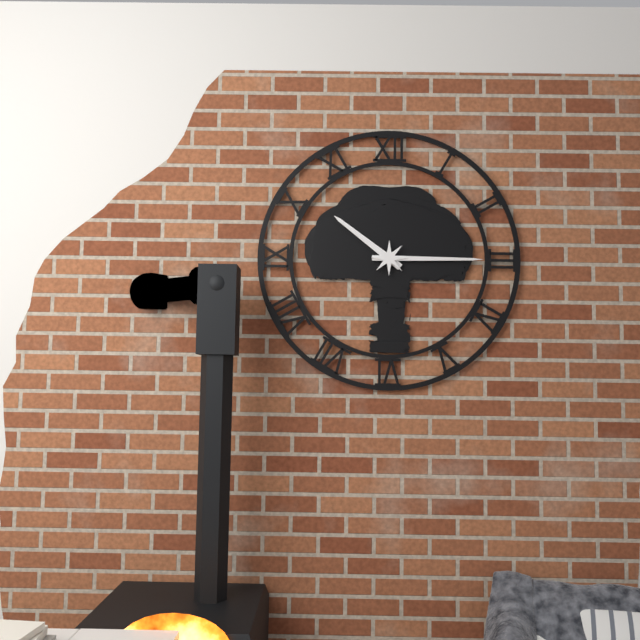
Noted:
10:15
